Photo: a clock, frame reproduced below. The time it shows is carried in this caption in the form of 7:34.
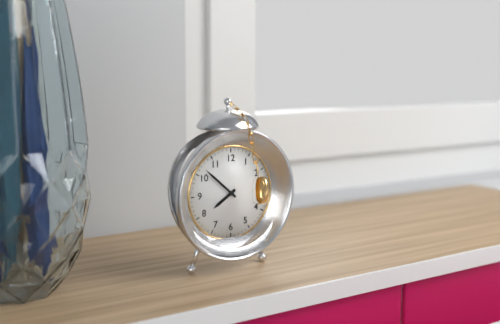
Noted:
7:52
